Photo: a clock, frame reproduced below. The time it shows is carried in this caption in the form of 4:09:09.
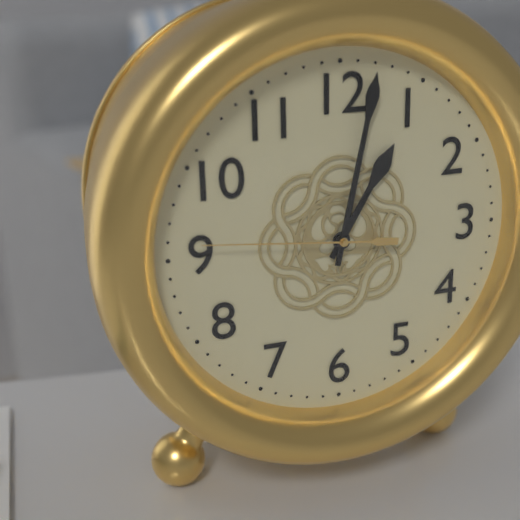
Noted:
1:02:46
